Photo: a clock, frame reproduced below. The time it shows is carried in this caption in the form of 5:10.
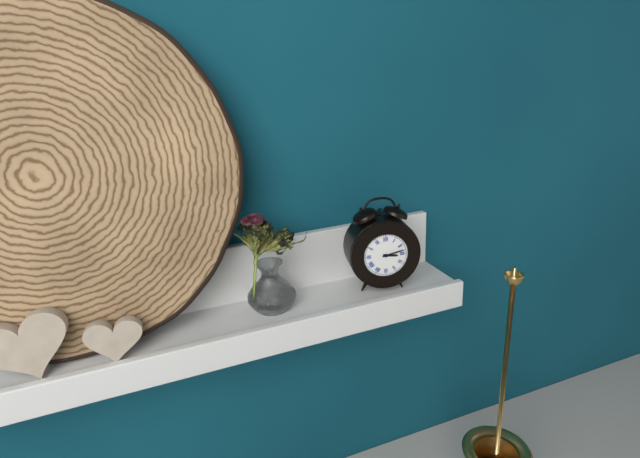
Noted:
3:13
